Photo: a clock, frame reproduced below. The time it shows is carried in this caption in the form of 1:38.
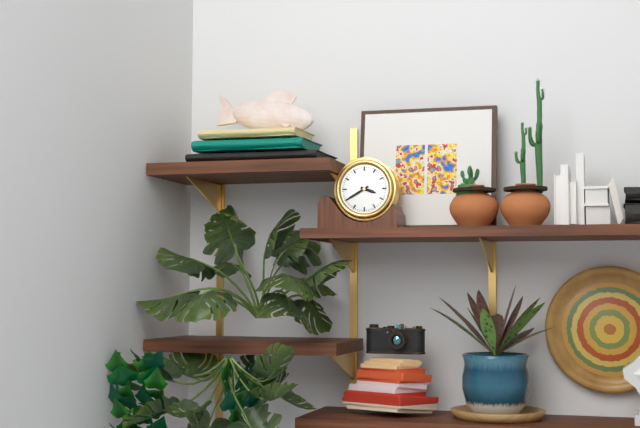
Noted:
3:40
